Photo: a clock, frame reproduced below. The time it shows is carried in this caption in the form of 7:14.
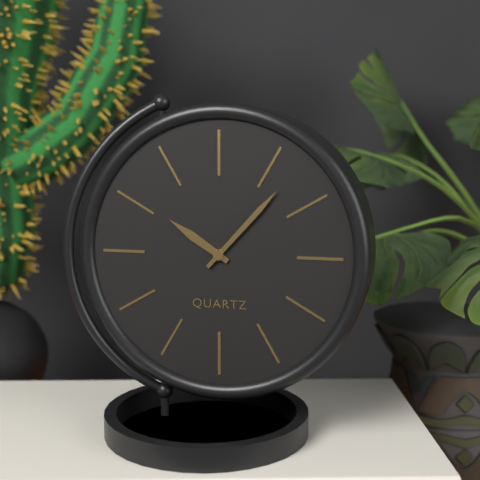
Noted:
10:07
